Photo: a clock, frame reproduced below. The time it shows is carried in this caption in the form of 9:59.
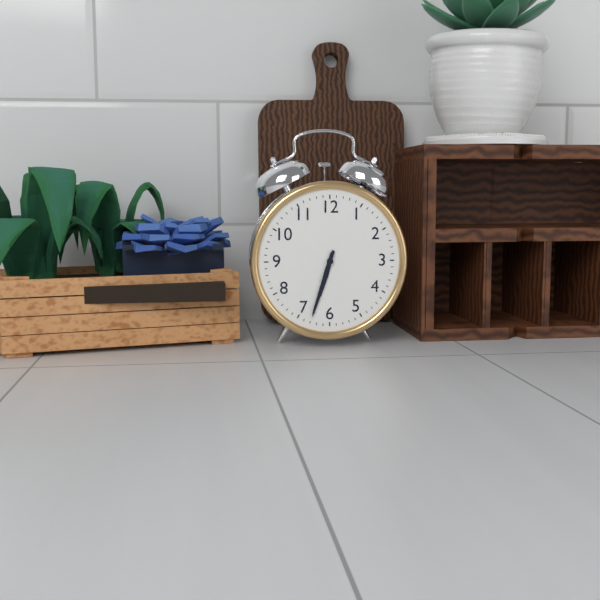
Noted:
6:33
